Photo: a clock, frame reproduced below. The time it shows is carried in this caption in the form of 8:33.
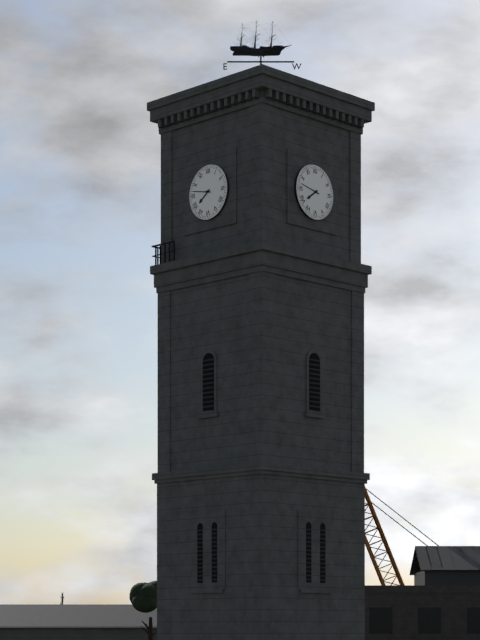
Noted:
7:47
